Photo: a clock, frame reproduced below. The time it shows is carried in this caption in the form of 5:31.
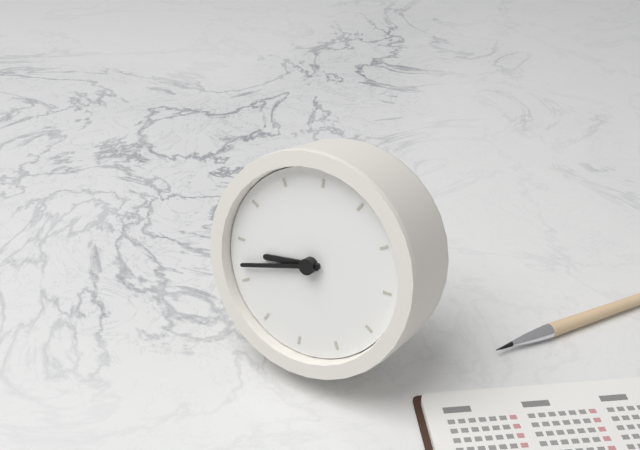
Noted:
8:42
